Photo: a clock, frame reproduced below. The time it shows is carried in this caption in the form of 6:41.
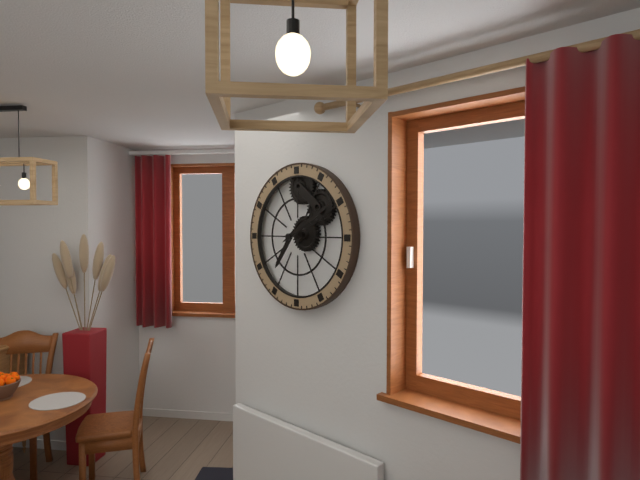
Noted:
7:10
